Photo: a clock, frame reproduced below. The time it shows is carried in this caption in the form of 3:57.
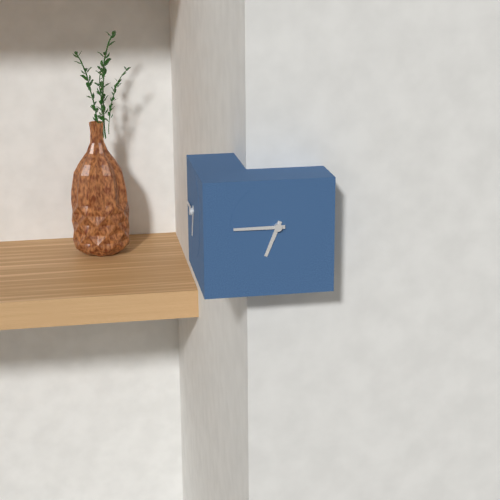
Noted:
6:45
